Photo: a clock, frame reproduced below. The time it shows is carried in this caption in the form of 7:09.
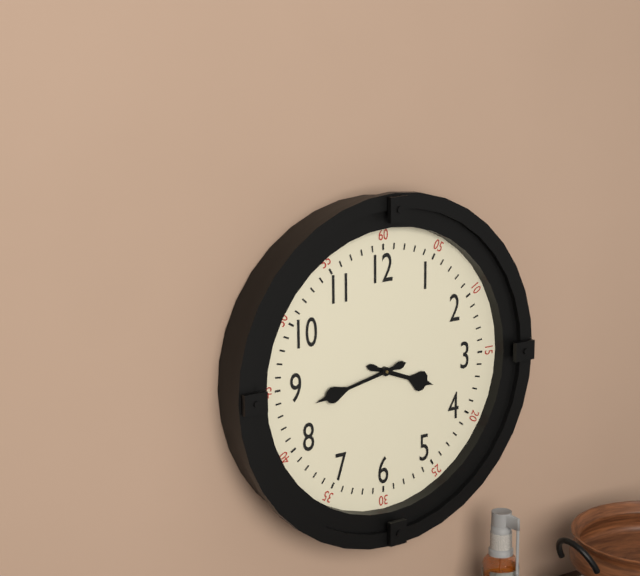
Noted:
3:43
